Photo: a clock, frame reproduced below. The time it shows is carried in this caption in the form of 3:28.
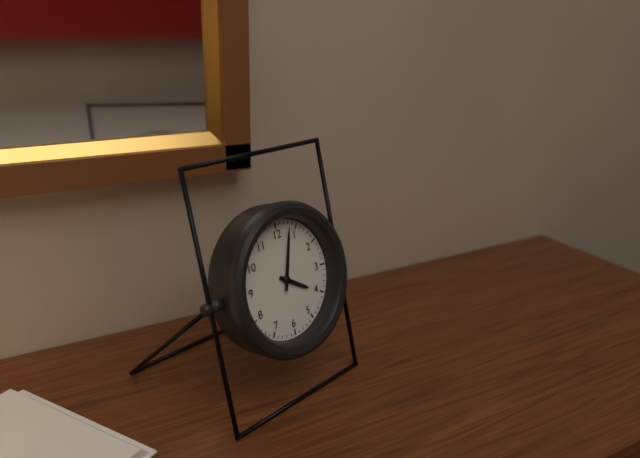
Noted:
4:03
